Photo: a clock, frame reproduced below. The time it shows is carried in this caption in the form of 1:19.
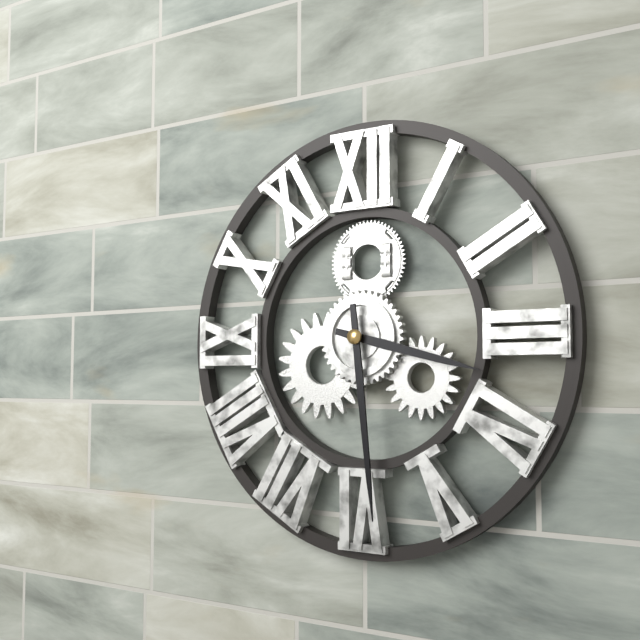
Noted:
3:29
